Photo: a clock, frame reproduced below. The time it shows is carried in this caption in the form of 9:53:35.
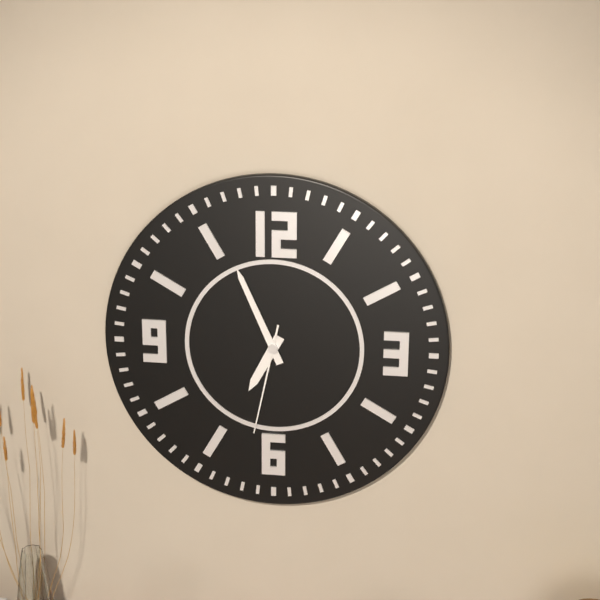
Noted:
6:56:32
